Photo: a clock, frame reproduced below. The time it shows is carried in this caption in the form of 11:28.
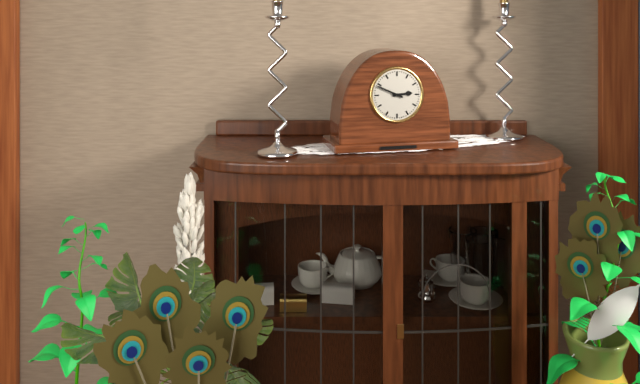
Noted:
2:49
